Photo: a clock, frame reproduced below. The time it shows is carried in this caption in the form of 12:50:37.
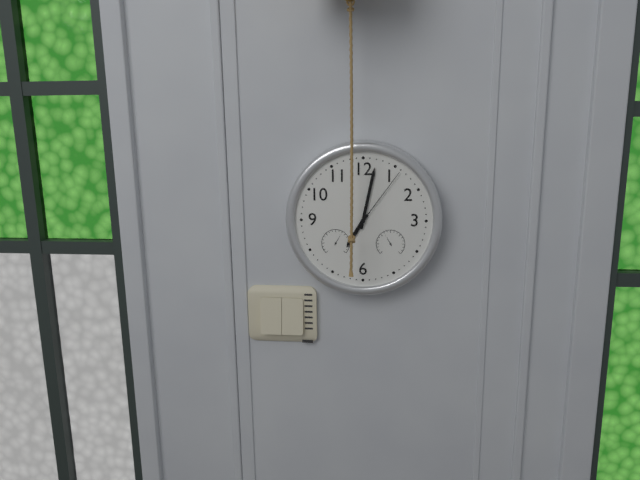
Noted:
7:02:06
